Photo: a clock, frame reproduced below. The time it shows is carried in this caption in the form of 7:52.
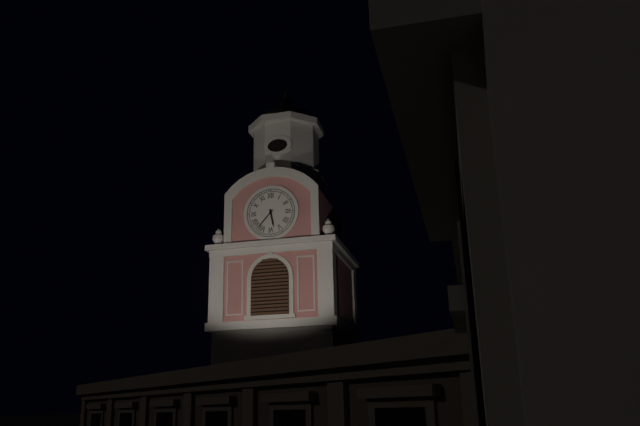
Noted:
5:37
